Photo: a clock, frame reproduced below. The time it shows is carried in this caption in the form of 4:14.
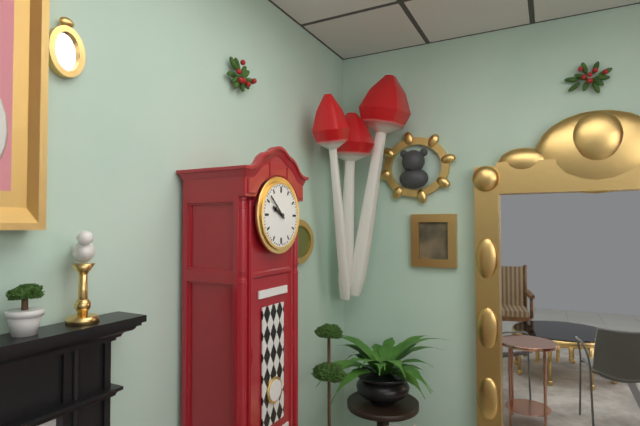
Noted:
9:52
